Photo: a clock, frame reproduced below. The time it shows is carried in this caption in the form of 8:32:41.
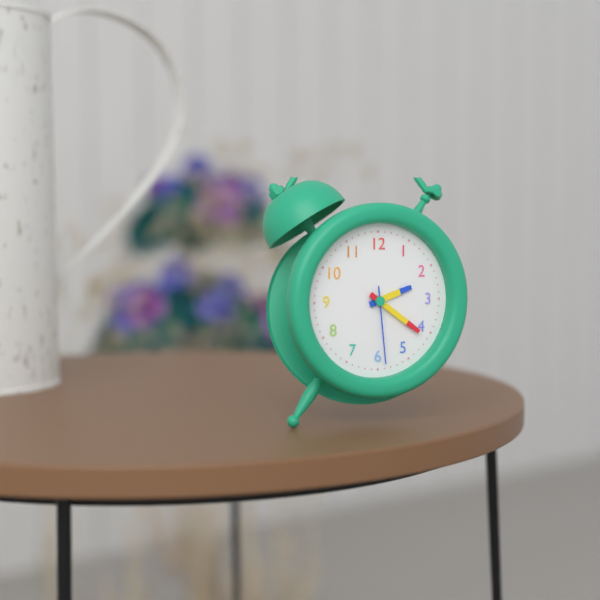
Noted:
2:21:29
